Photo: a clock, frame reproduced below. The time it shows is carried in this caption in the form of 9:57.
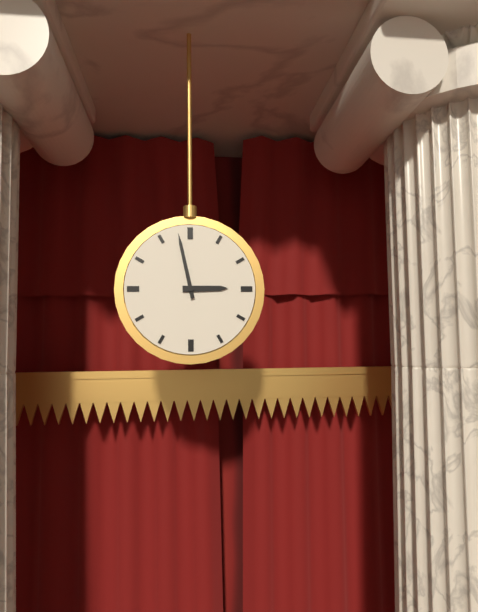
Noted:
2:58
